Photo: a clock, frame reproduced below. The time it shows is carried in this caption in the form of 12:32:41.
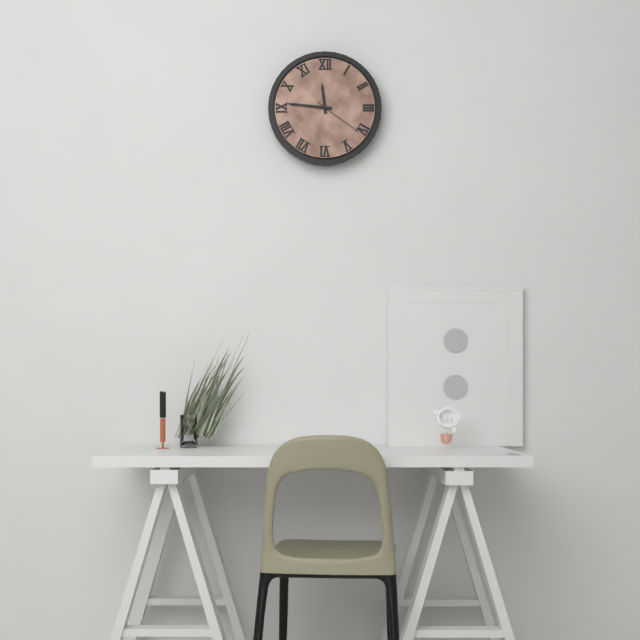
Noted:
11:46:21
